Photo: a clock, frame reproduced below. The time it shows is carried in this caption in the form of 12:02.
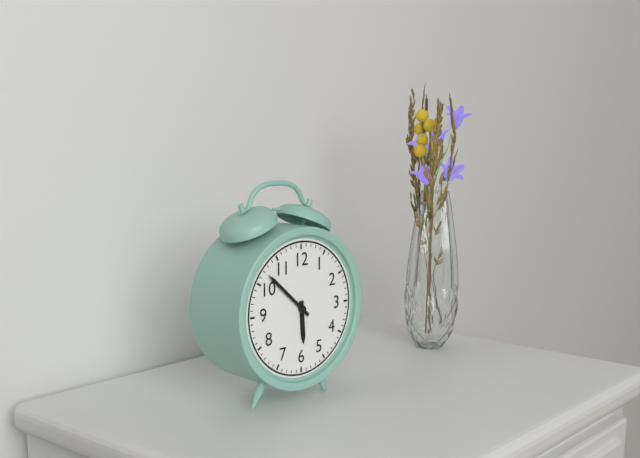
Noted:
5:52
